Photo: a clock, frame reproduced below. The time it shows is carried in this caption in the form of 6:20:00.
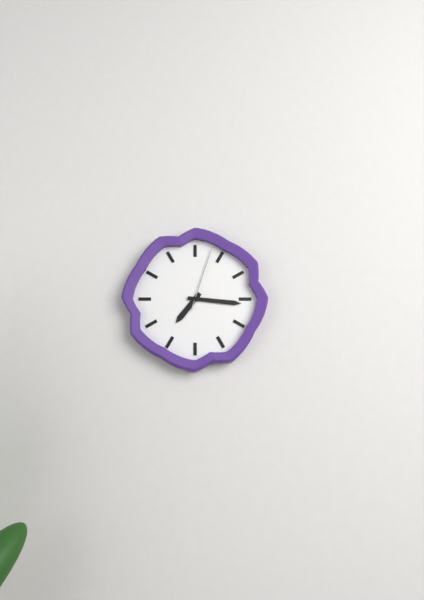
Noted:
7:16:03
